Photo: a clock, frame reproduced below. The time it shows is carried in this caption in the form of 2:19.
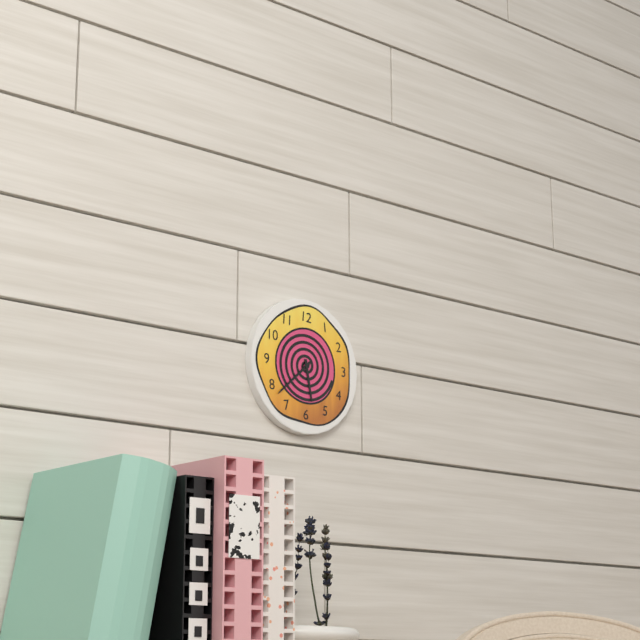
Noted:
5:38
